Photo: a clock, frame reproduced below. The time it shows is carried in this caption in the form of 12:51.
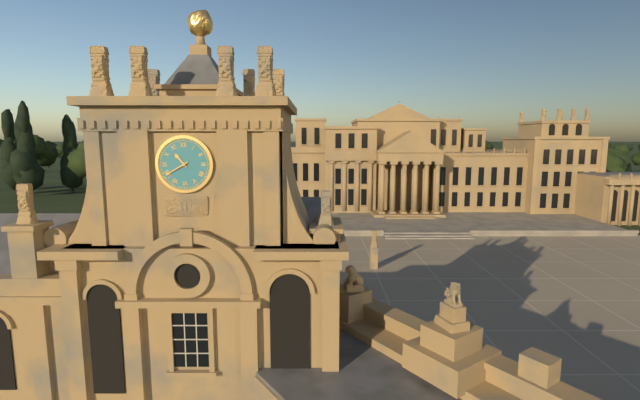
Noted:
10:40
